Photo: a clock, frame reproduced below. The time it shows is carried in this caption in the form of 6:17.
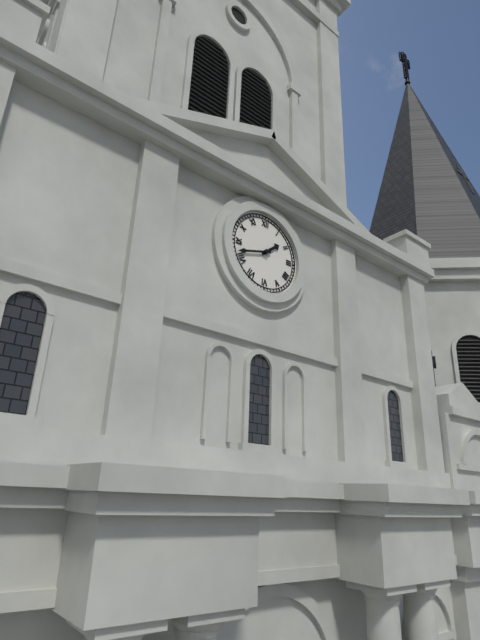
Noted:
1:42
